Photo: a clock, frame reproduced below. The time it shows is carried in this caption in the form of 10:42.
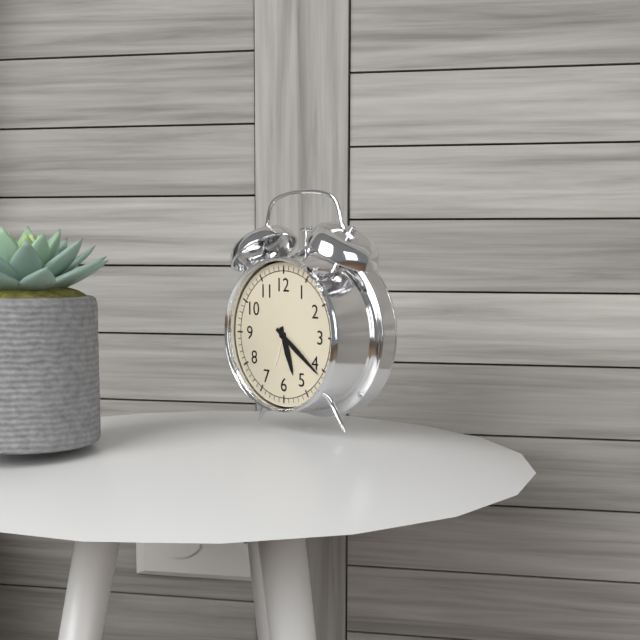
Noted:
5:21
